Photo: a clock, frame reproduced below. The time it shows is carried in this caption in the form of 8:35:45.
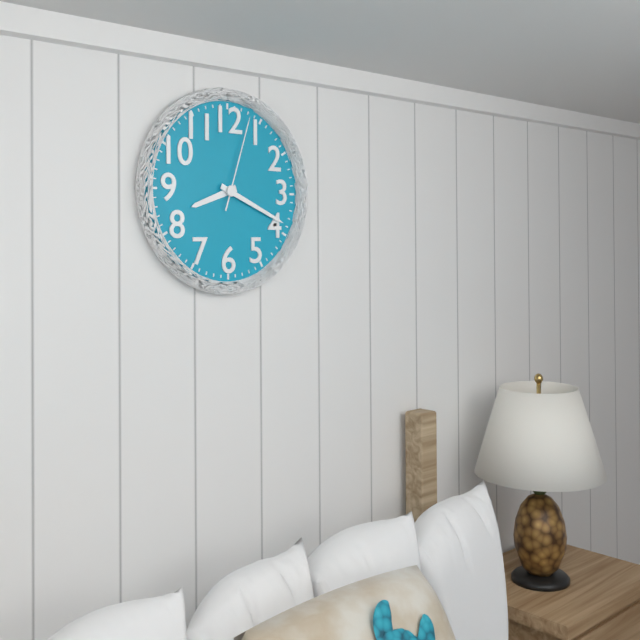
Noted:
8:19:03
